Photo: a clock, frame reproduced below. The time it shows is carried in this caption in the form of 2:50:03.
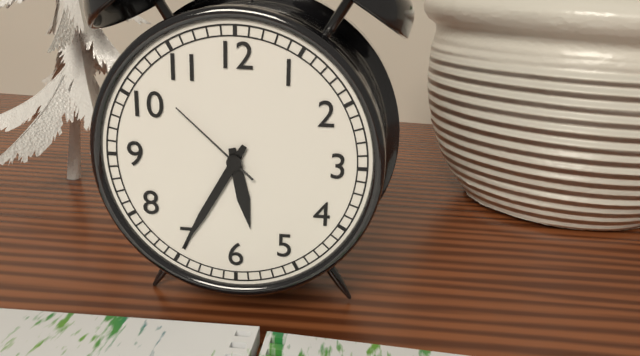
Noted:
5:35:52
